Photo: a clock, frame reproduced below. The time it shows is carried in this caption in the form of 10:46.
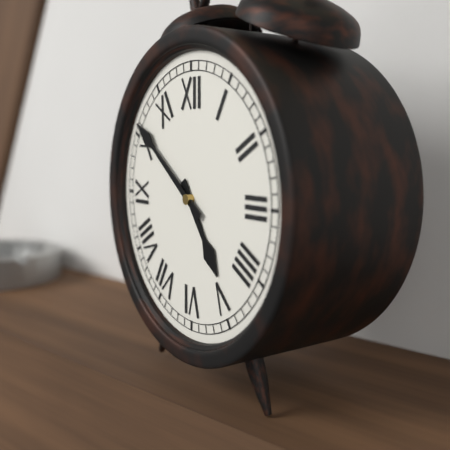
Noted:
4:51
